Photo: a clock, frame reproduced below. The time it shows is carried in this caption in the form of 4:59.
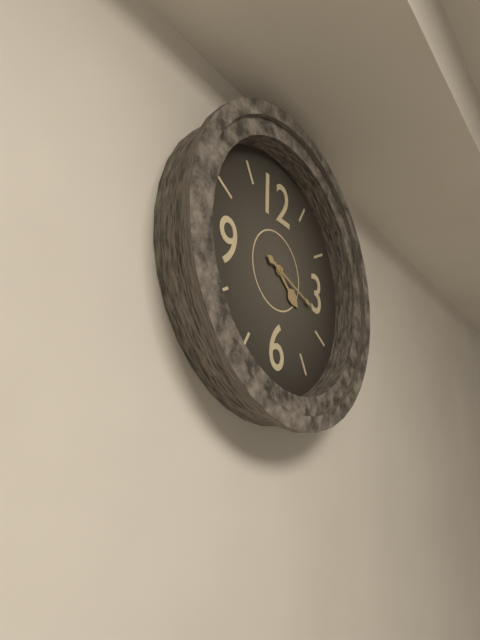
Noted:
4:18
